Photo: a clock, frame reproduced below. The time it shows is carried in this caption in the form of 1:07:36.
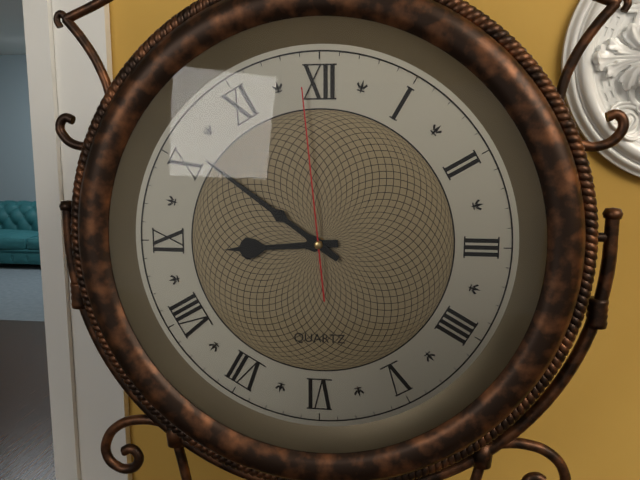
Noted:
8:51:59
